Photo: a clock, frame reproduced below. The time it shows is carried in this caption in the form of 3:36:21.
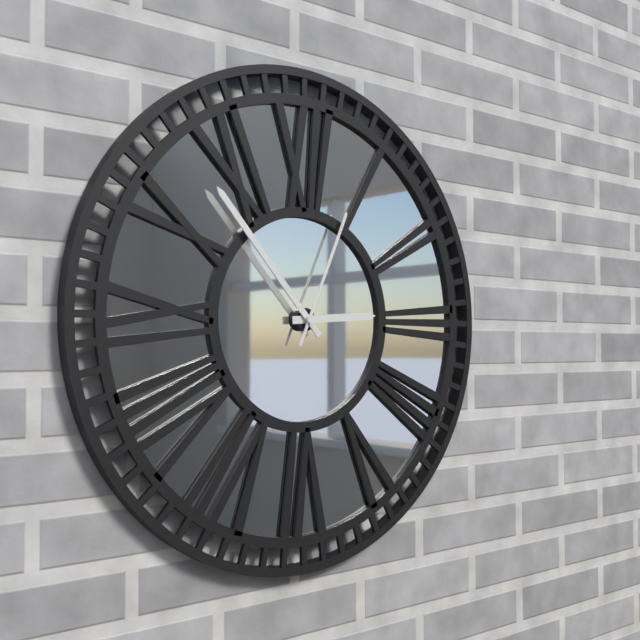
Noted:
2:53:04
